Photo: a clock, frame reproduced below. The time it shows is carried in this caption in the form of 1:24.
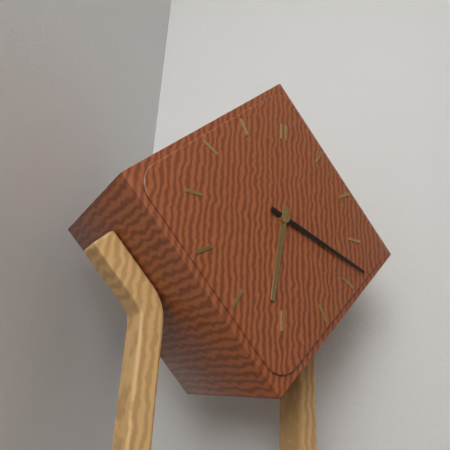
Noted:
6:18
